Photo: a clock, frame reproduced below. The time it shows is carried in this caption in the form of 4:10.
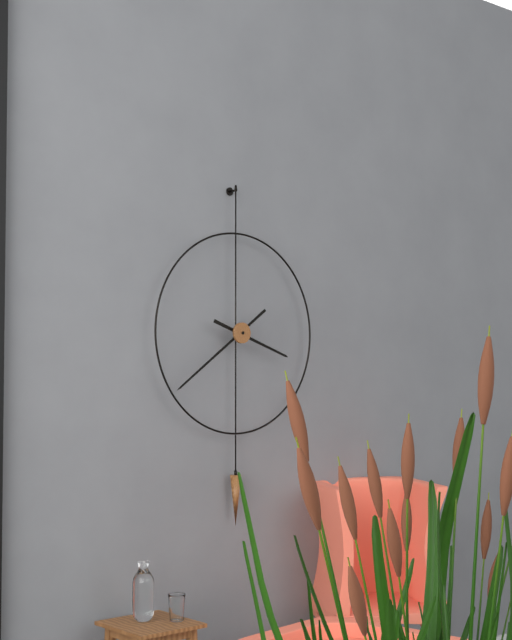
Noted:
3:39
